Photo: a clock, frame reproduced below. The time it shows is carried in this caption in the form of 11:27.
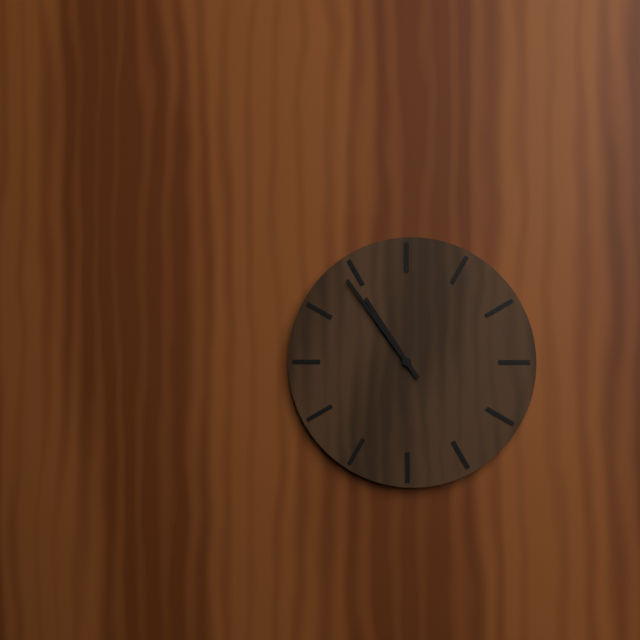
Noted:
10:54
